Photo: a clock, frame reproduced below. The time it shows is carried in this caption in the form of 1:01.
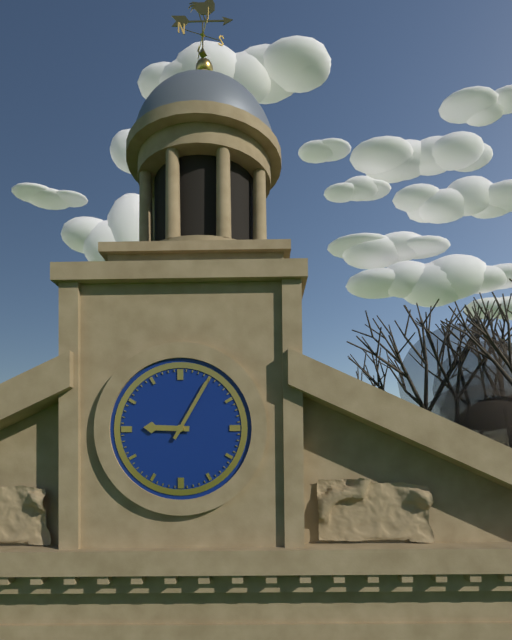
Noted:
9:05
